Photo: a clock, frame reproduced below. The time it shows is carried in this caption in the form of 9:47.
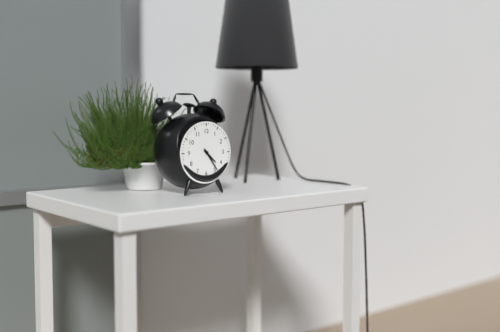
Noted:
4:24
